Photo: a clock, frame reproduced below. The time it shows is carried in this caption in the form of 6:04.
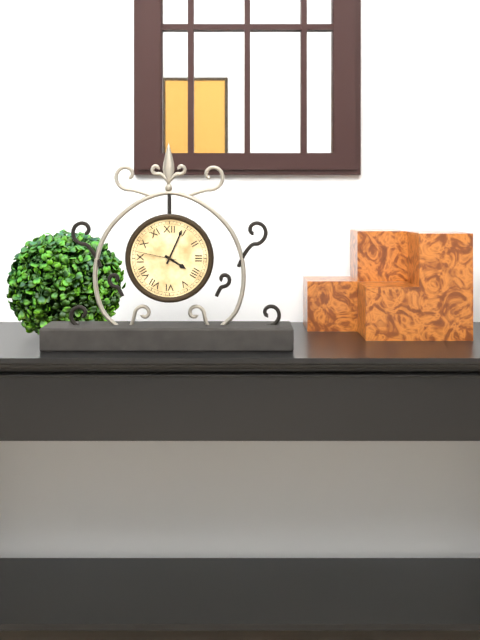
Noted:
4:04
